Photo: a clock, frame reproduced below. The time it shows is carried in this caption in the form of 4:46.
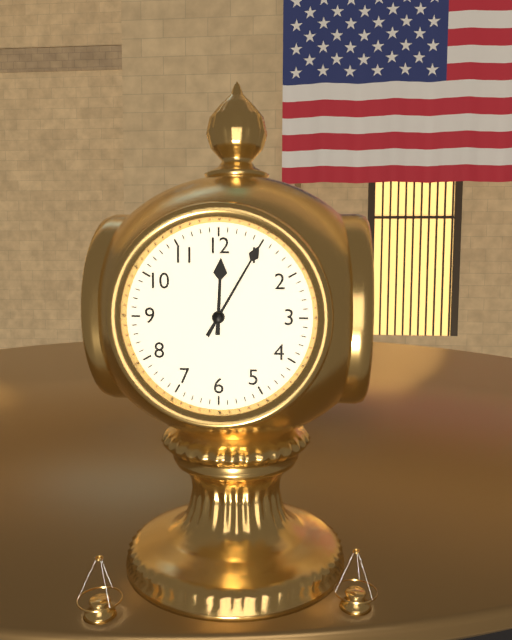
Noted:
12:05
